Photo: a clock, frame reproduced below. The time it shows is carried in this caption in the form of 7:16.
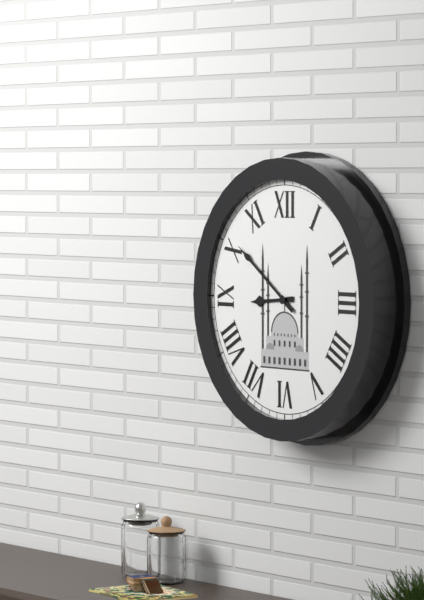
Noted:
8:51
